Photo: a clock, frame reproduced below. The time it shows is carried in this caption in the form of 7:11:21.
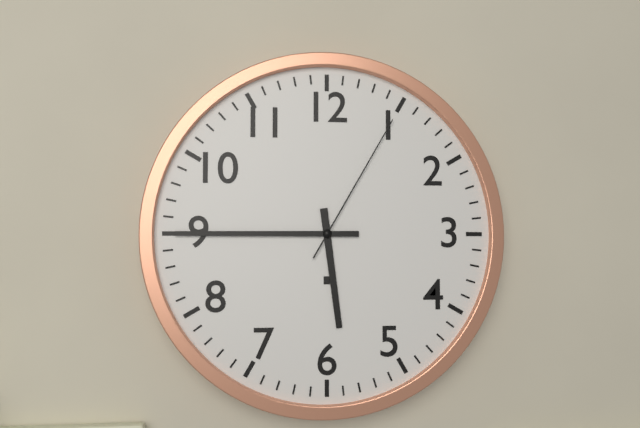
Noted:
5:45:05
